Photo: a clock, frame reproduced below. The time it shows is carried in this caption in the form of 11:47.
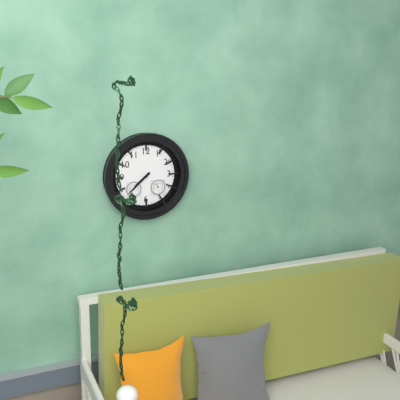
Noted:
7:38
